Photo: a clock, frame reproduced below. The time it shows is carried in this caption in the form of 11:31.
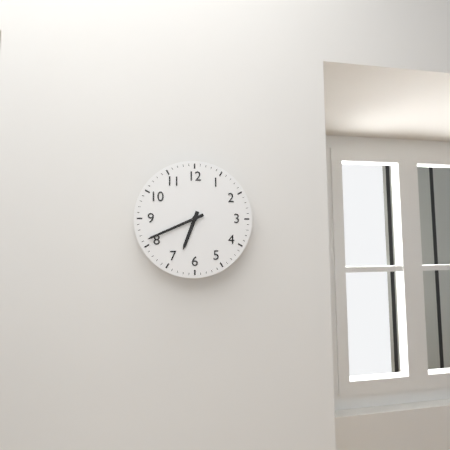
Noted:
6:41
